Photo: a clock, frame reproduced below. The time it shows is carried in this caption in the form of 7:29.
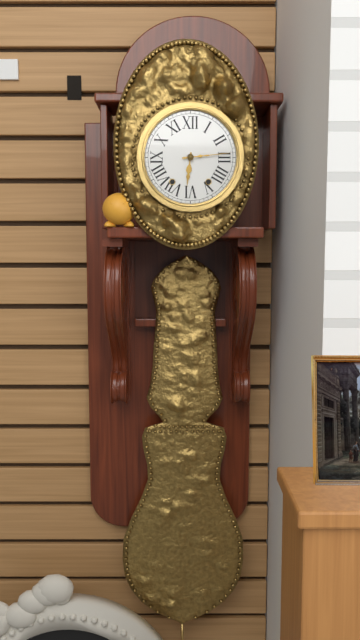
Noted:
6:14
